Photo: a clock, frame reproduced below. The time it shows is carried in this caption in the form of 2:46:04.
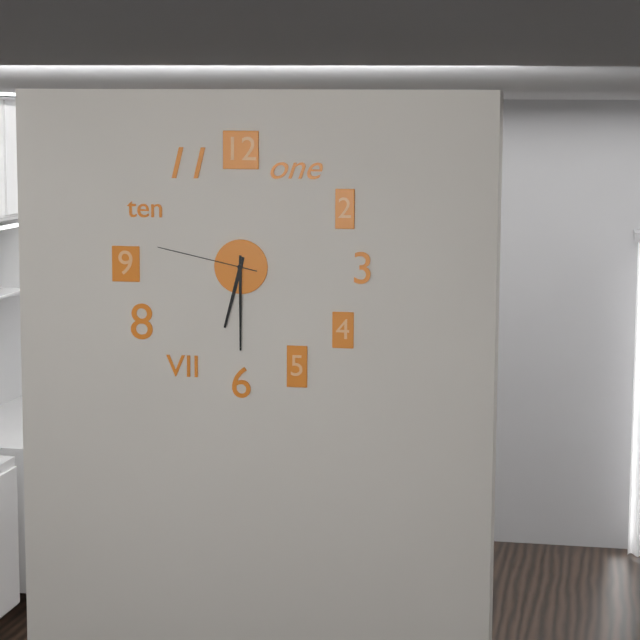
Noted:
6:30:47
